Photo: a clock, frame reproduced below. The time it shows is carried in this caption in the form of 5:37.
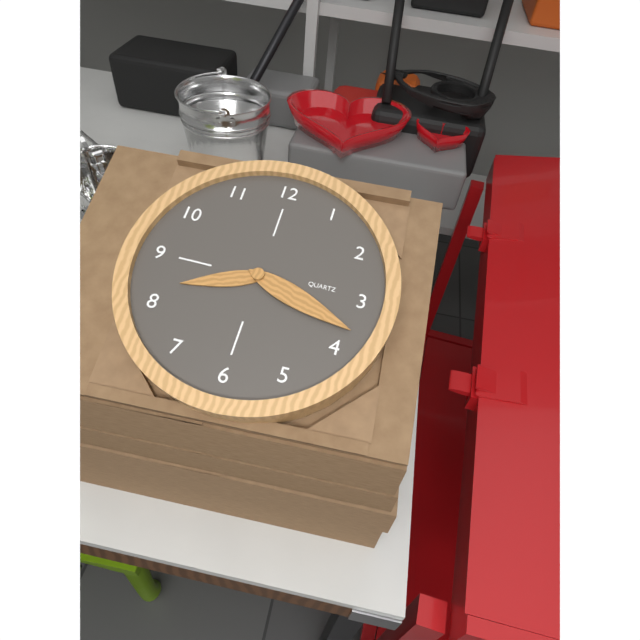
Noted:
8:18
